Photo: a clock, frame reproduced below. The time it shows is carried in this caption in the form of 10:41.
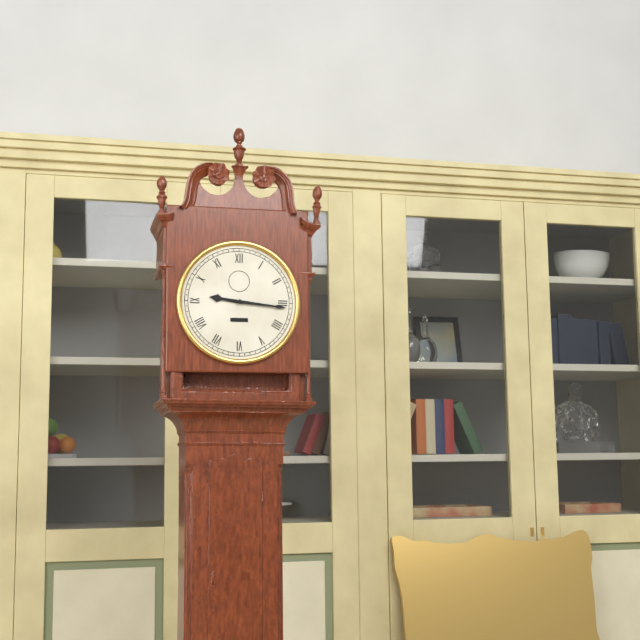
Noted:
9:16
